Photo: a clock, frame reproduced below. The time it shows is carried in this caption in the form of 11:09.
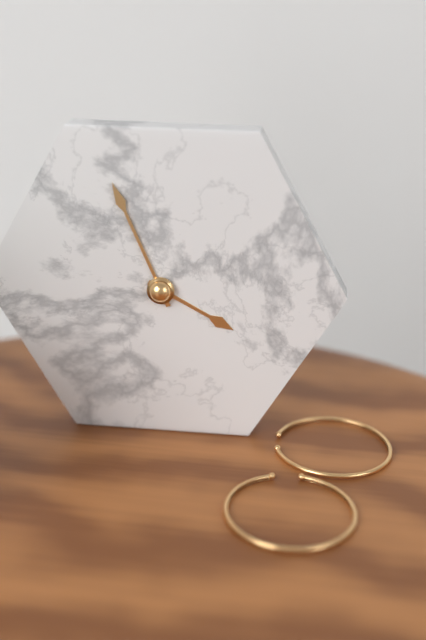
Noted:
3:56
